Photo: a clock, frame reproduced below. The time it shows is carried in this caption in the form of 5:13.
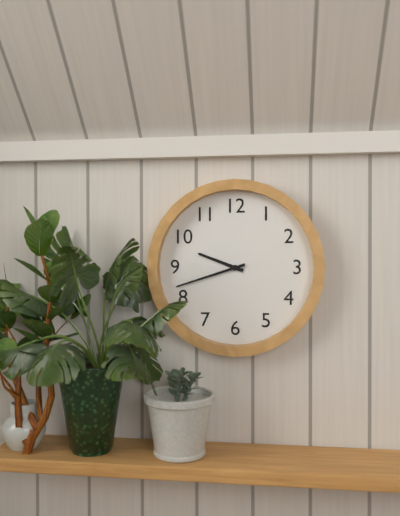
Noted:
9:42
